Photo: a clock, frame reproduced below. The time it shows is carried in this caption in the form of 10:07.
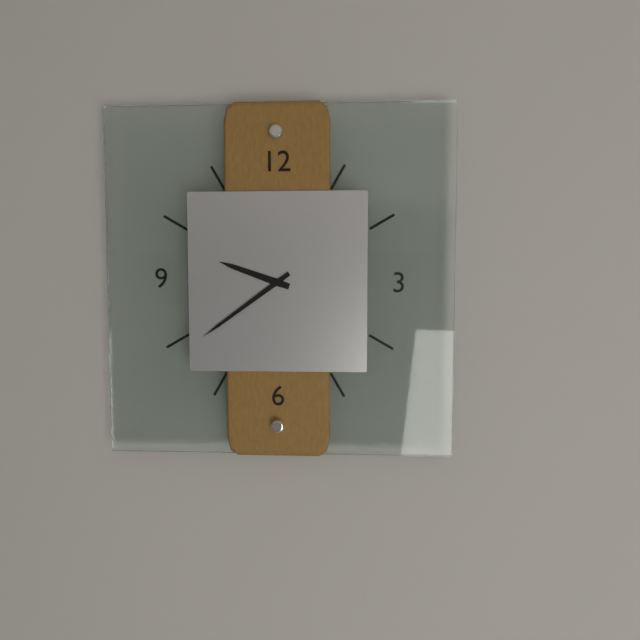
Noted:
9:39
